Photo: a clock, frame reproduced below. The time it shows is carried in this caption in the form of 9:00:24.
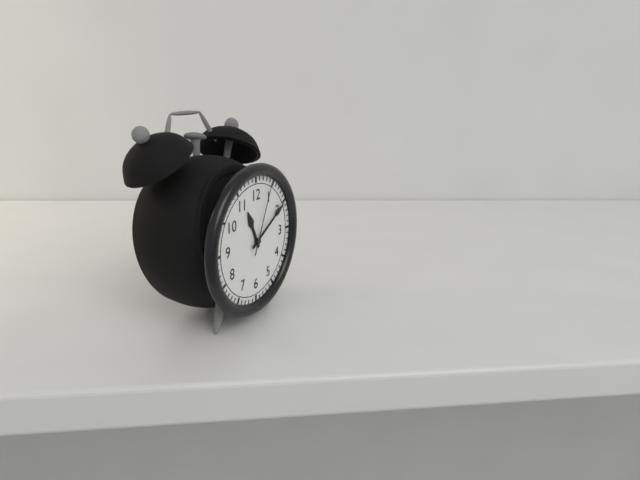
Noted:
11:10:04
